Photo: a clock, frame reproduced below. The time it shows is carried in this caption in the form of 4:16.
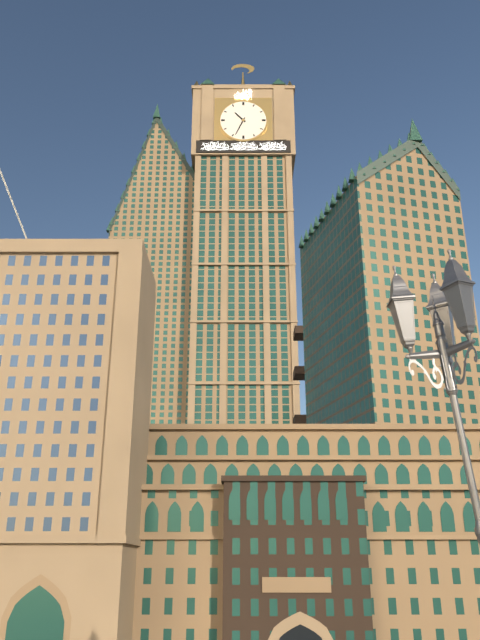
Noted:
10:34
